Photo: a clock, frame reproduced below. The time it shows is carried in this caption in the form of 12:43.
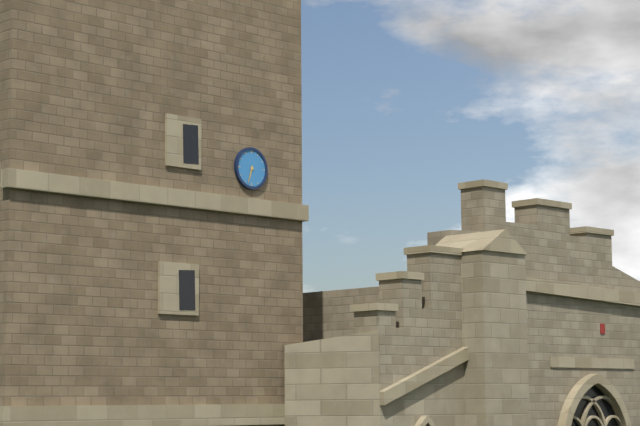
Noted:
6:33
